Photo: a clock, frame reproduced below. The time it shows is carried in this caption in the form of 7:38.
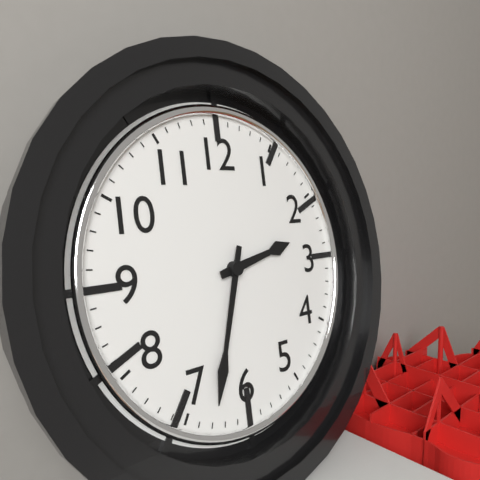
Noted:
2:33
